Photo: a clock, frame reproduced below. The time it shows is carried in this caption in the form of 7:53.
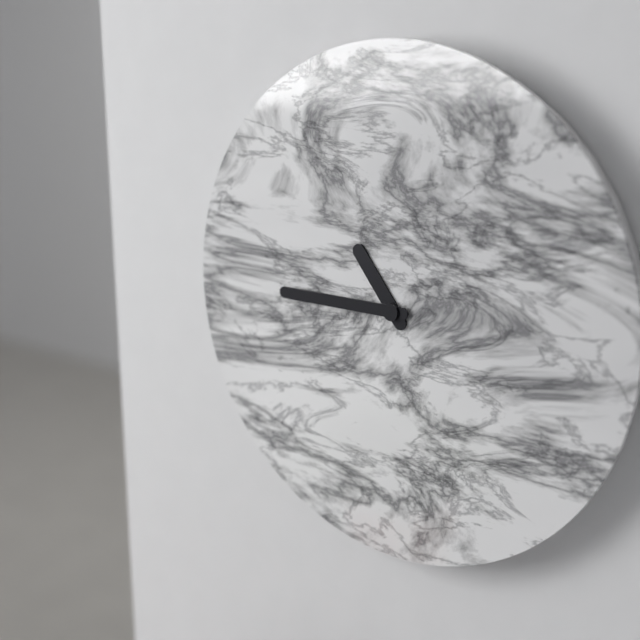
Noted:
10:45
